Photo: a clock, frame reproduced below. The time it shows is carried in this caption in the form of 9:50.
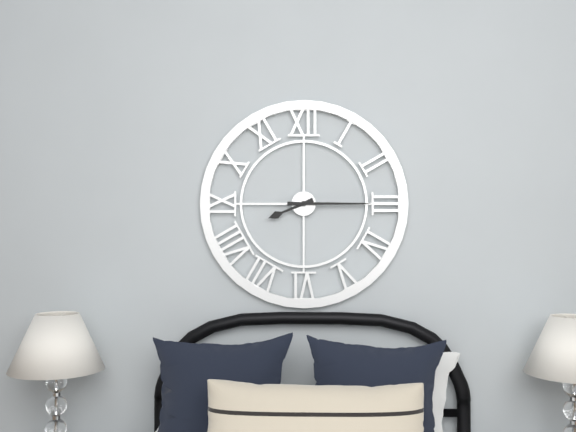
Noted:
8:15
